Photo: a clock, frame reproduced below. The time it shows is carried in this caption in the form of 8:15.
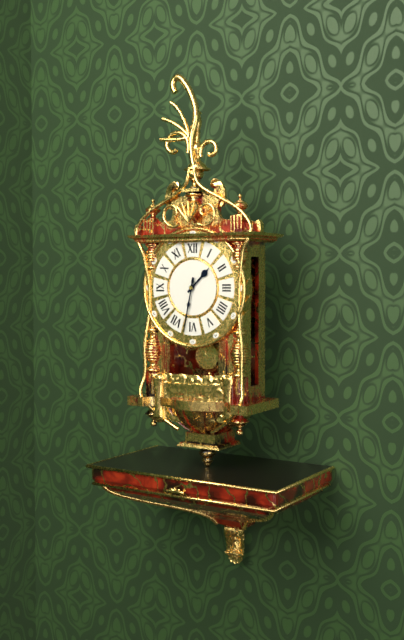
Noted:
1:32
